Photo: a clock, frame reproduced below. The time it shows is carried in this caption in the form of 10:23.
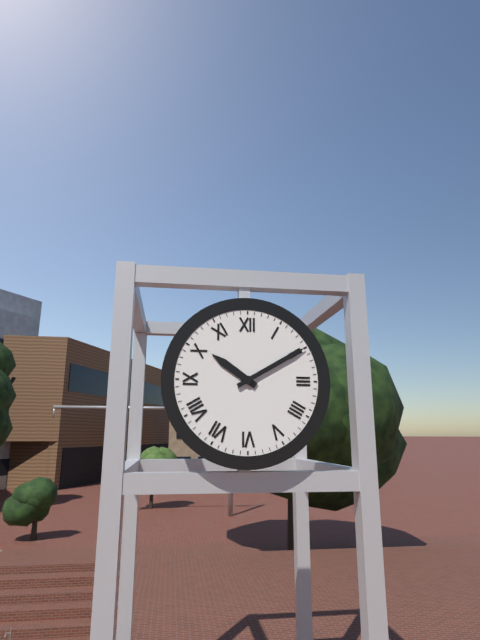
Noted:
10:10
